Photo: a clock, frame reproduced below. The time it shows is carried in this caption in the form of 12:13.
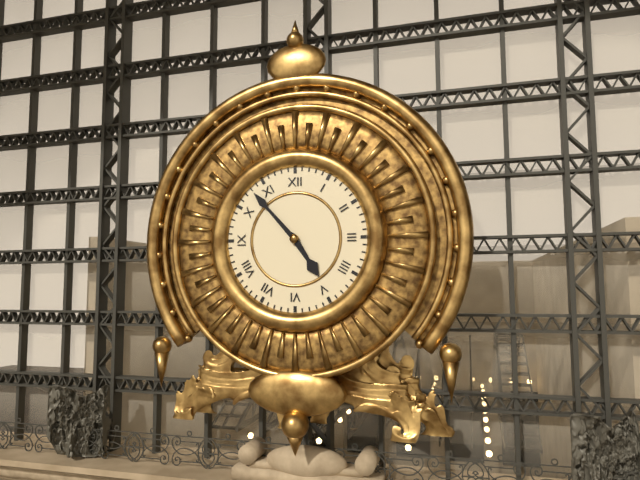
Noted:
4:53
